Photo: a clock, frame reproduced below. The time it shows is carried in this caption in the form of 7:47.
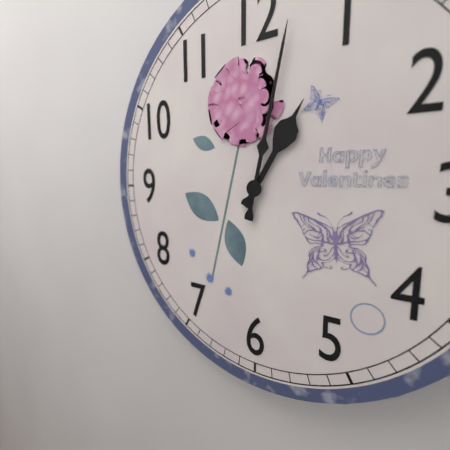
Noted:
1:02
